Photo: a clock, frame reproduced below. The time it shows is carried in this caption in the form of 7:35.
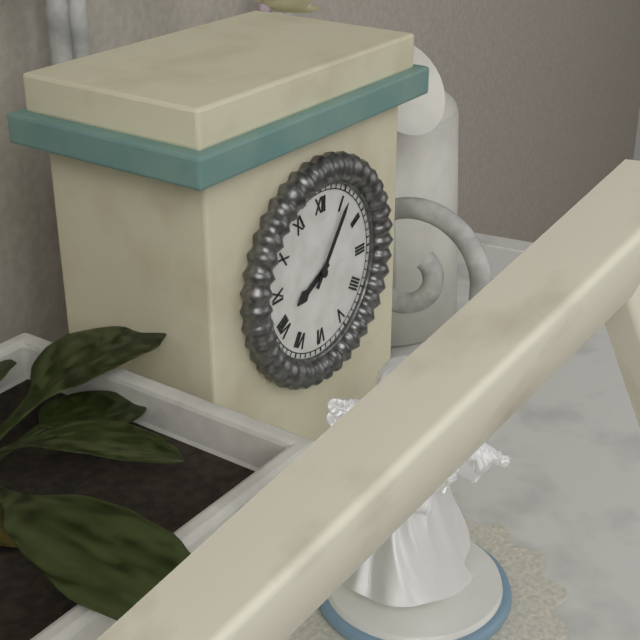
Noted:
8:06
